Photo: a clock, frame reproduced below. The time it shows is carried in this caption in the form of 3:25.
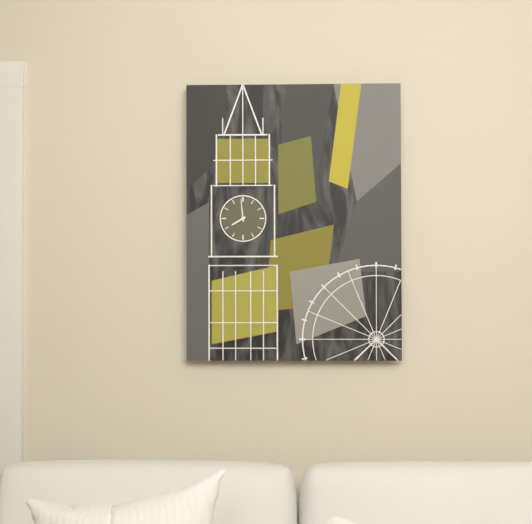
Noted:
7:59
